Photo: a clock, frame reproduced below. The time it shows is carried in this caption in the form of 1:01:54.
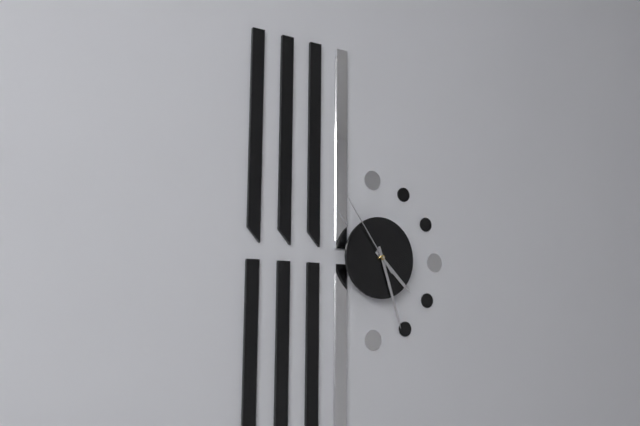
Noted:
4:27:54
